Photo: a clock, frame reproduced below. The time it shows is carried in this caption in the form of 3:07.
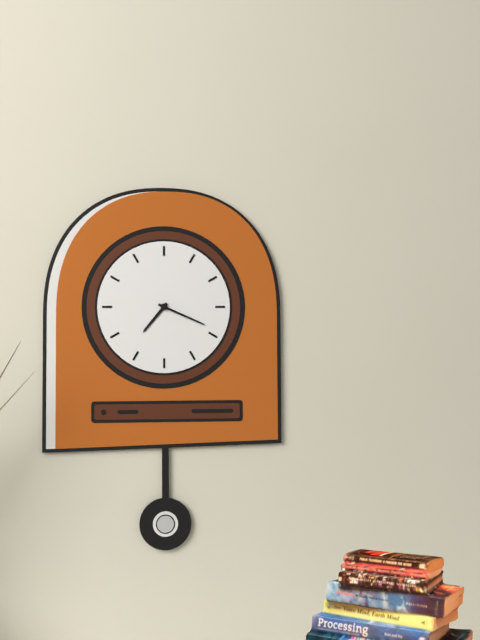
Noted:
7:19
